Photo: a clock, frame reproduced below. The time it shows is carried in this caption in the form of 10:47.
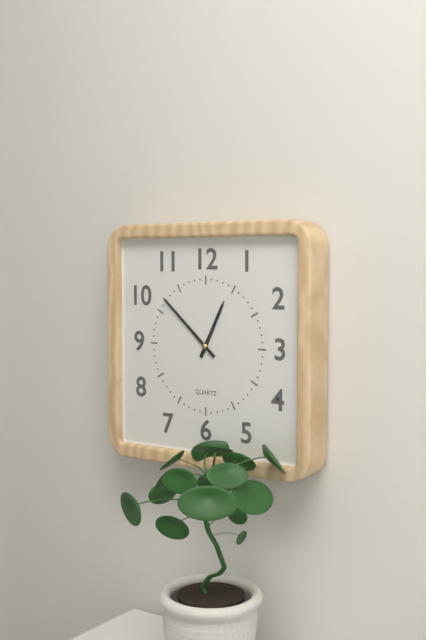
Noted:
12:52
